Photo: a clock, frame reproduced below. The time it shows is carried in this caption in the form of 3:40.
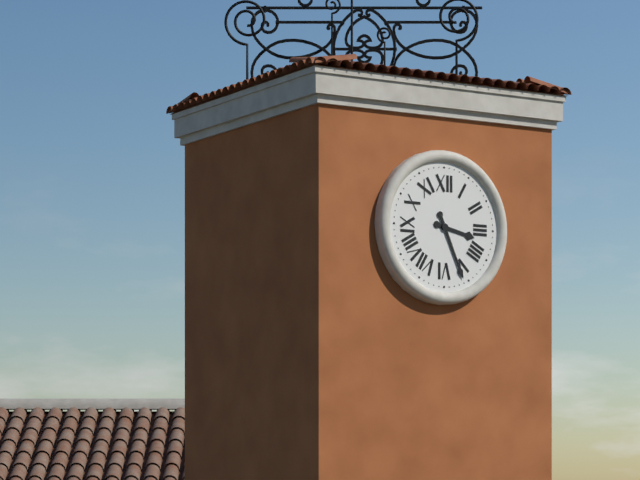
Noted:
3:26
